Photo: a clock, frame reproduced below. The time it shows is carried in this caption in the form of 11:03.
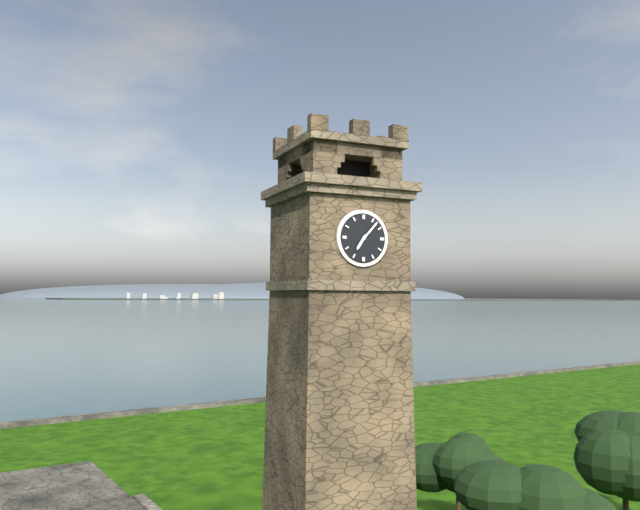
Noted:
7:07
